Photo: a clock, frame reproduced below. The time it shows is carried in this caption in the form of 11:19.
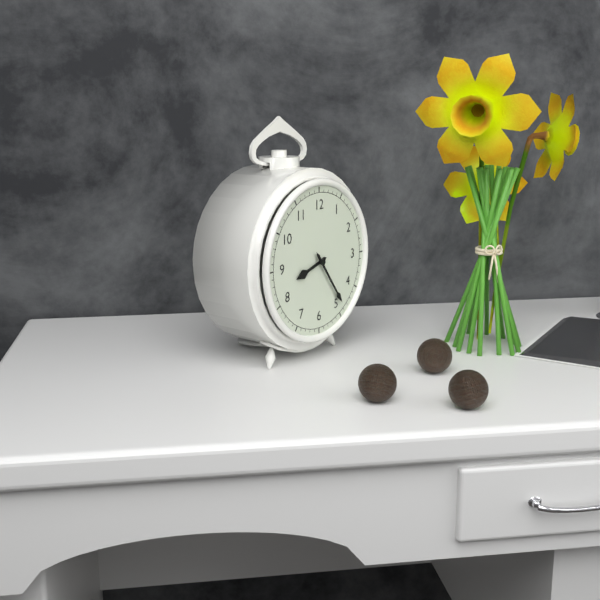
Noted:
8:24
